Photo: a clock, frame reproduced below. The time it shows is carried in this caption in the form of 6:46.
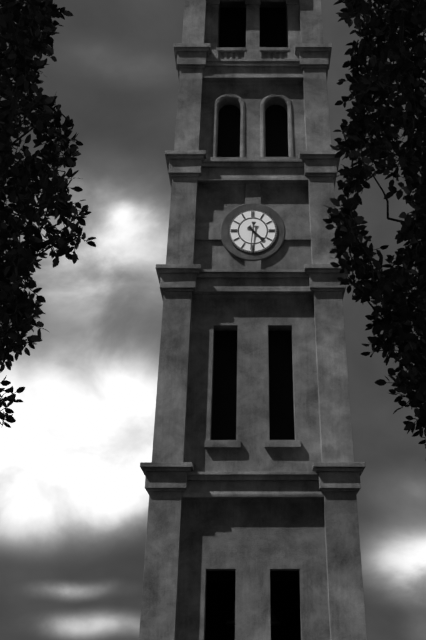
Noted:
4:31
